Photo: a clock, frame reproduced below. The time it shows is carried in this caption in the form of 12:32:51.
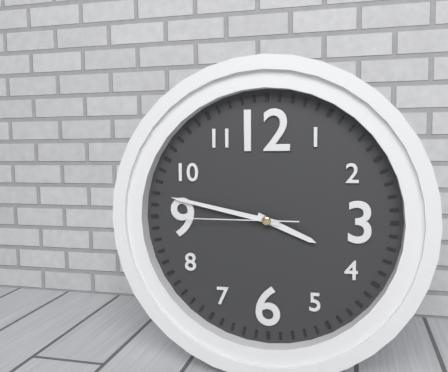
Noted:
3:47:45
